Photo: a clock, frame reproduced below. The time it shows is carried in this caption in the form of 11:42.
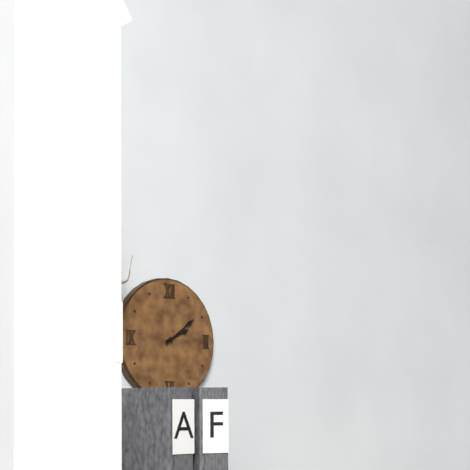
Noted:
2:09
